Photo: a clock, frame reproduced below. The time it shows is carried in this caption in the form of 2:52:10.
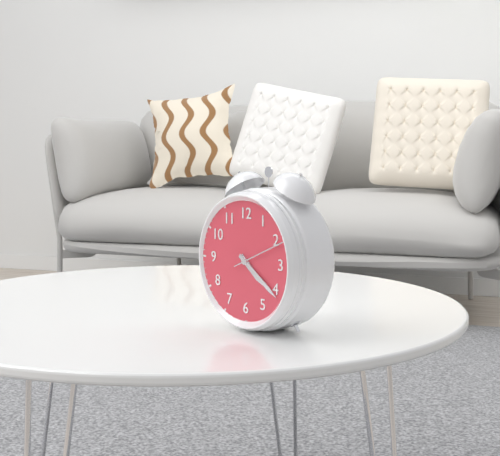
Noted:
4:21:11
